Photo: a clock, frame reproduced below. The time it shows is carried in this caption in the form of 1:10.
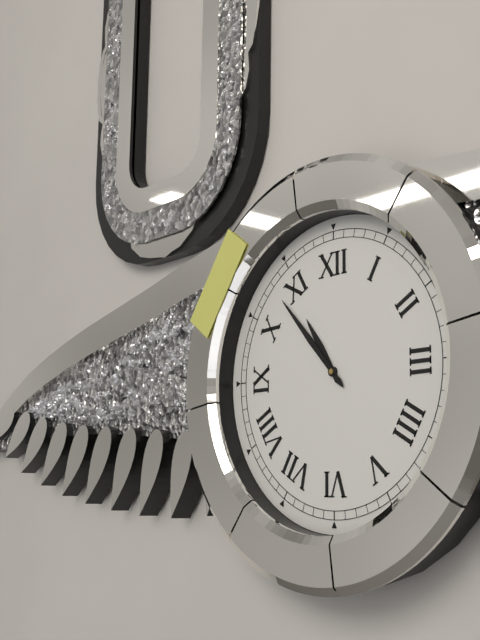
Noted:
10:53
